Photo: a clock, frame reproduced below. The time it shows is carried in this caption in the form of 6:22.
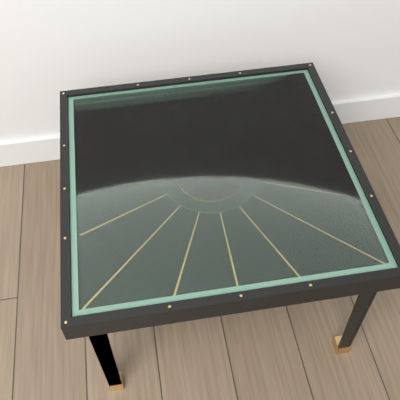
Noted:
1:16
